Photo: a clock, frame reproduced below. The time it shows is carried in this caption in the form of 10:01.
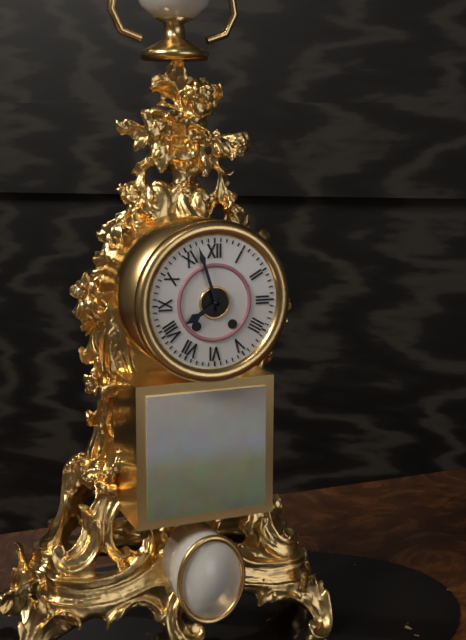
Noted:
7:57
